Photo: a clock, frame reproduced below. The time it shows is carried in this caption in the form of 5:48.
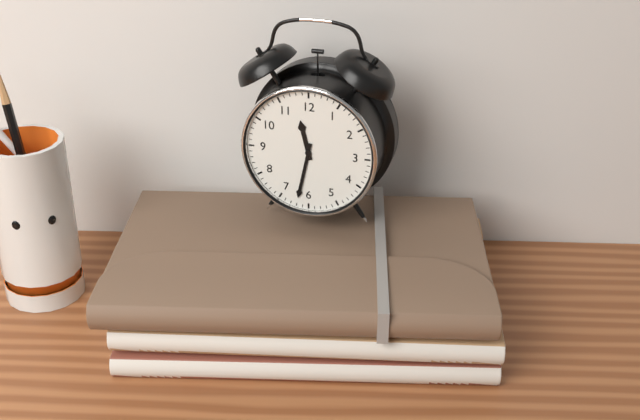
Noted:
11:32
